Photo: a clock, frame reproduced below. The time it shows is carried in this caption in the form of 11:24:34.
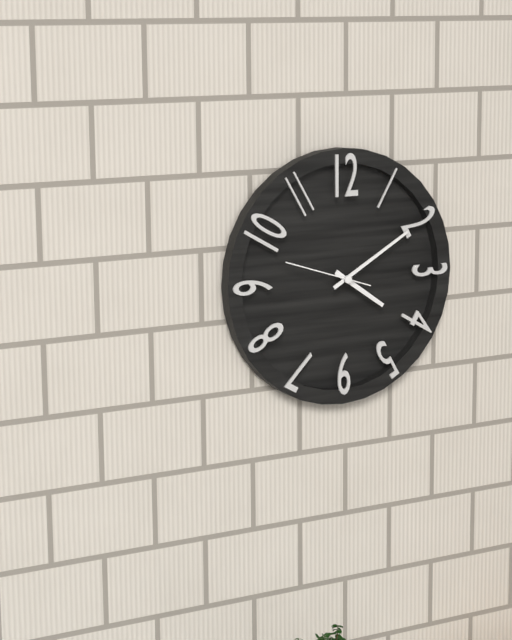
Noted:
4:10:48
